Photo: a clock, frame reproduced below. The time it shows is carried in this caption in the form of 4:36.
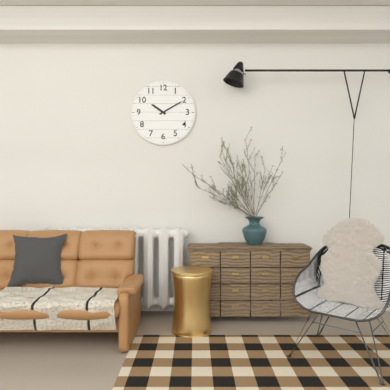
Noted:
10:10
